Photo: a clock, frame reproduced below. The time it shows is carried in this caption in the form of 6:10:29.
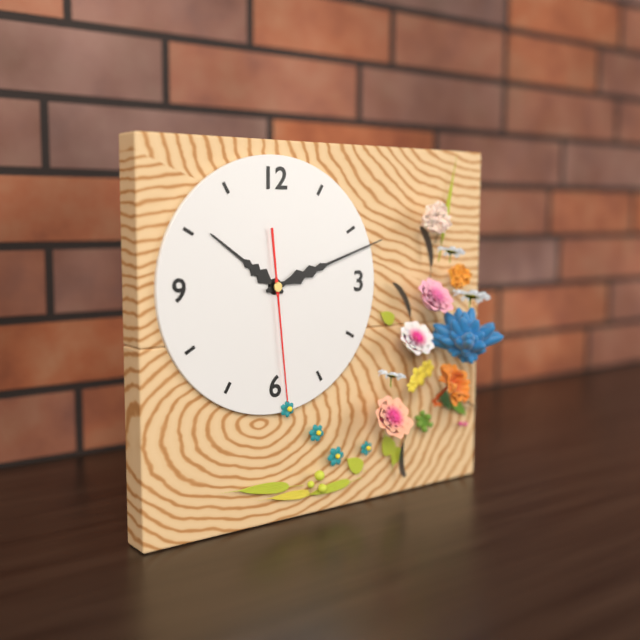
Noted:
10:12:29
